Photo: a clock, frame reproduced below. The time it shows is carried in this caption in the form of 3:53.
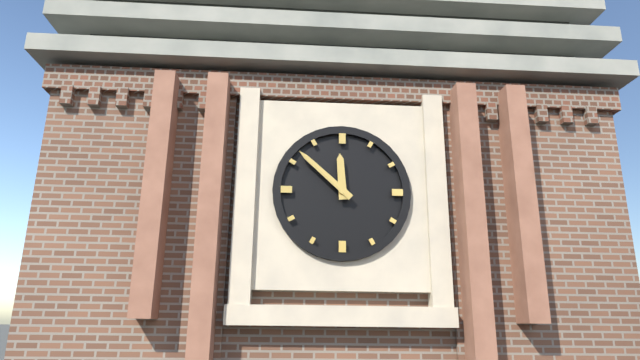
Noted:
11:52
